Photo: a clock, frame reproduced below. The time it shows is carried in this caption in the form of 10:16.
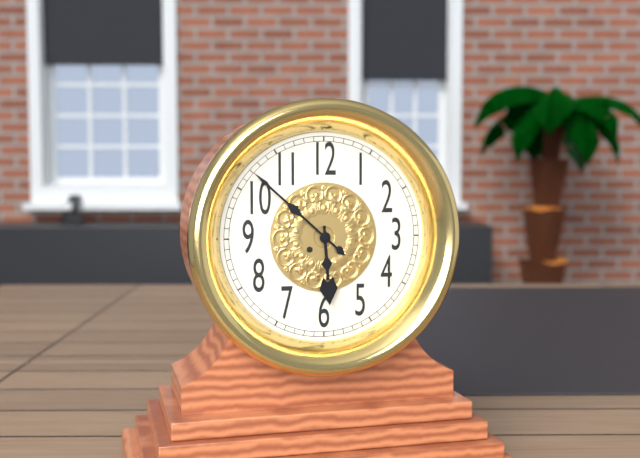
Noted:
5:52
